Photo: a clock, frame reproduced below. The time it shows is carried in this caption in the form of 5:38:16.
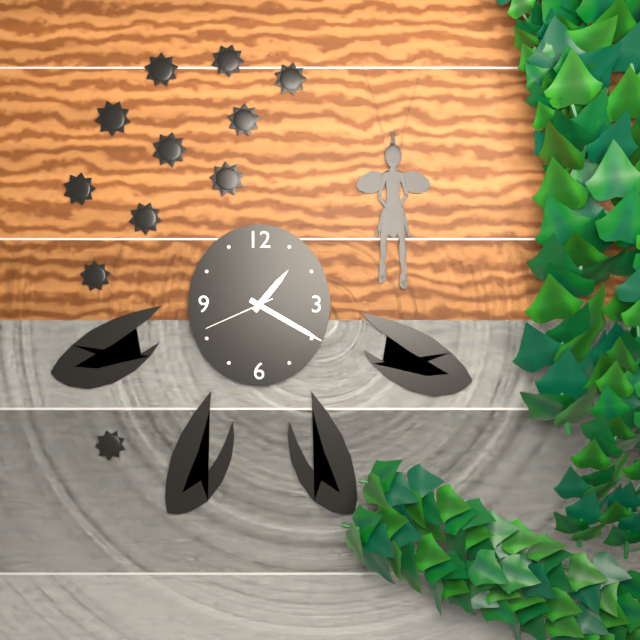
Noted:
1:20:41
